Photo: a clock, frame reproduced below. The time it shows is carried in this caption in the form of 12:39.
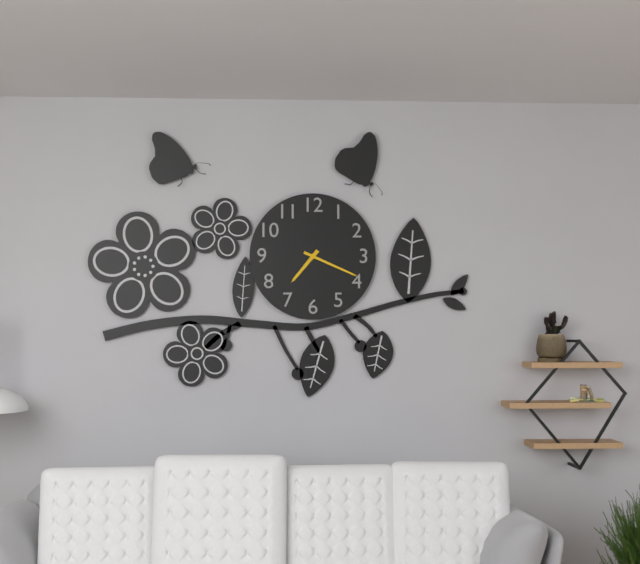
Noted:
7:19
